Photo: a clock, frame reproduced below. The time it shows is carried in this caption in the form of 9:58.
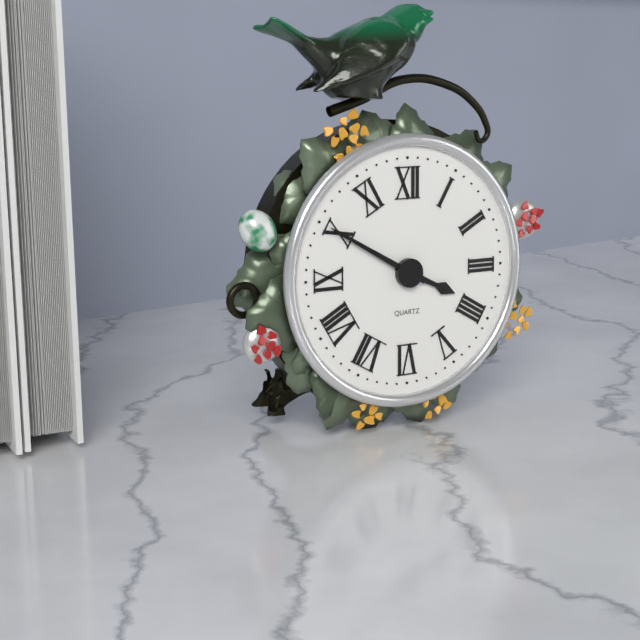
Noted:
3:50
